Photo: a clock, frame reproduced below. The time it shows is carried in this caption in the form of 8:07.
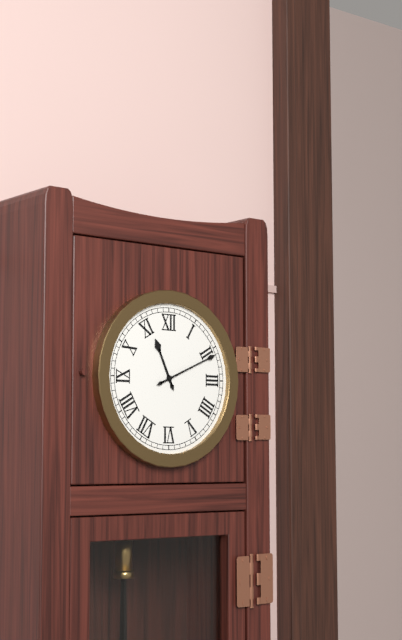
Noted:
11:11
